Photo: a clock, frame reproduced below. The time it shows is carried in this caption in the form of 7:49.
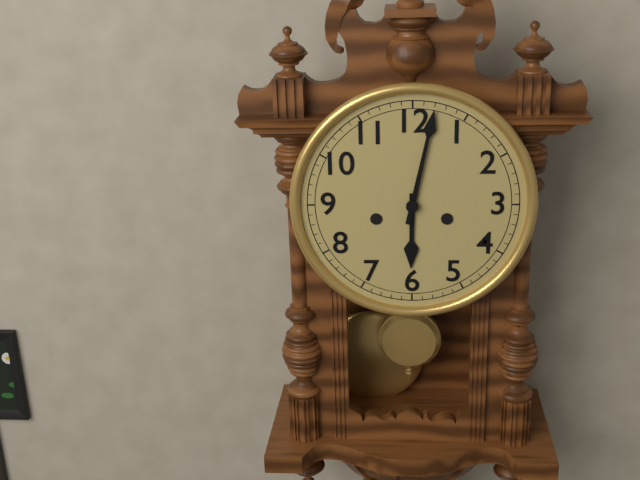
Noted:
6:02
